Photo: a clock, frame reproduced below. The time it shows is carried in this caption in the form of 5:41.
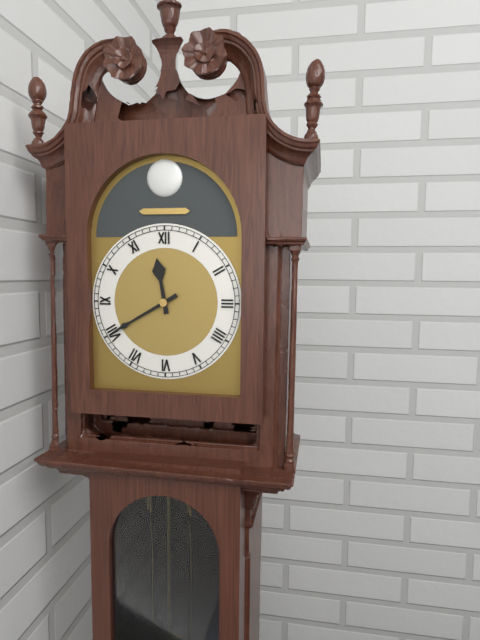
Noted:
11:40
